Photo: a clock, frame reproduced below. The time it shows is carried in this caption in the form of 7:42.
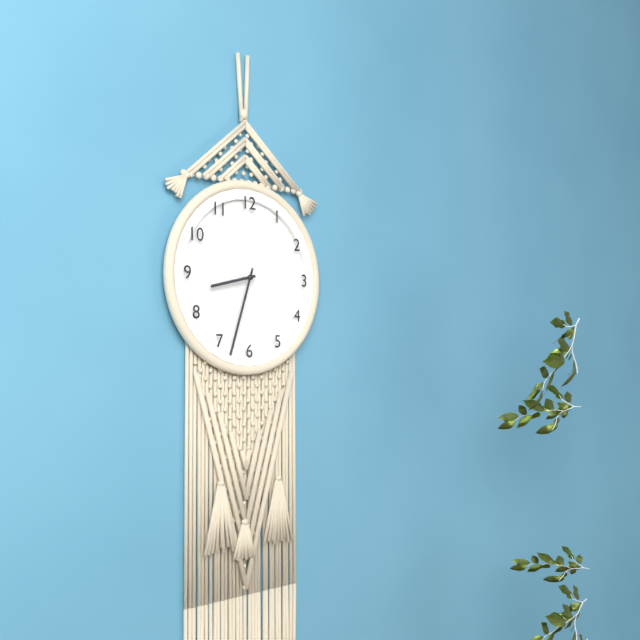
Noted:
8:33
